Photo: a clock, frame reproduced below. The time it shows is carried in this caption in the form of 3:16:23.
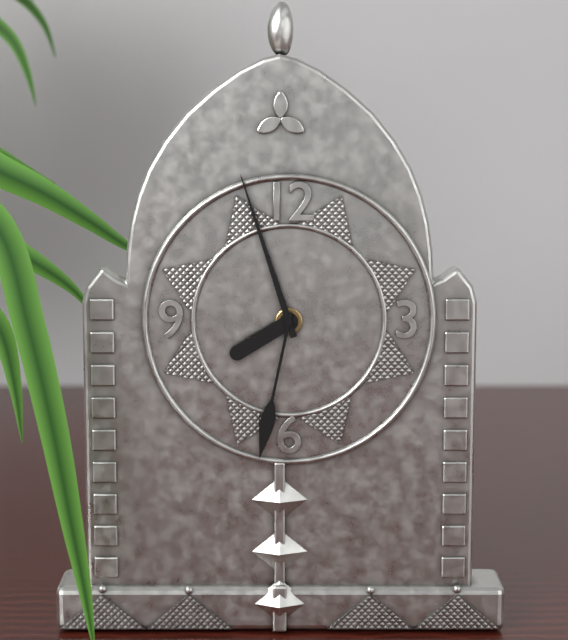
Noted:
7:57:32
